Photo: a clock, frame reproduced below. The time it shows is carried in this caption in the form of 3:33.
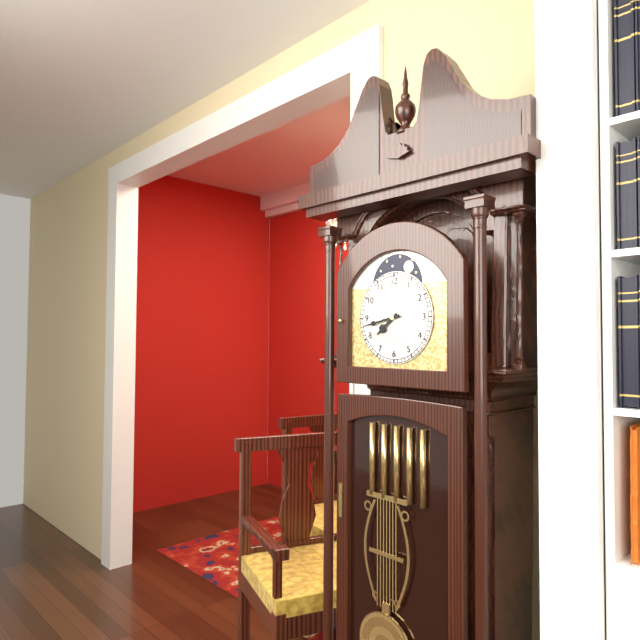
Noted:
7:43
